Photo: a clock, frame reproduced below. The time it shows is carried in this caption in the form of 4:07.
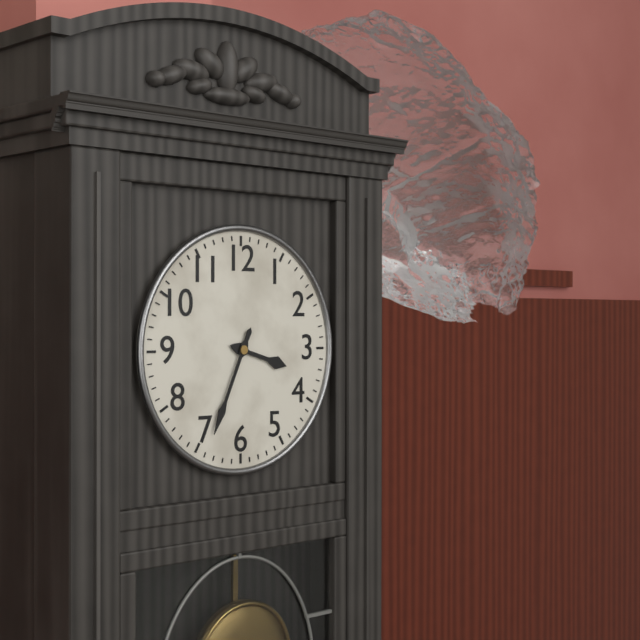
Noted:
3:34
